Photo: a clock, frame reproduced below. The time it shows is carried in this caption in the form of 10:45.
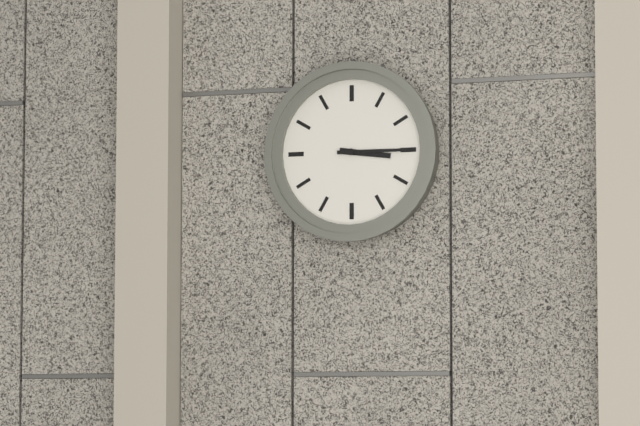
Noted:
3:15
